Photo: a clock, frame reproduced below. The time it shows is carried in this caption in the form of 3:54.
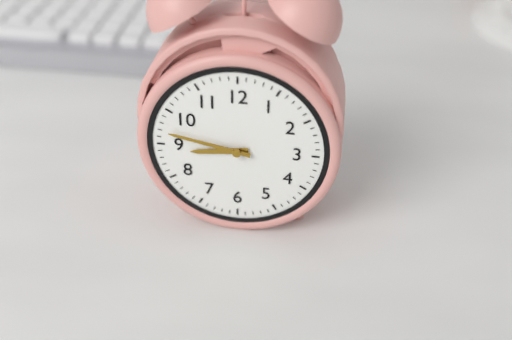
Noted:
8:47
